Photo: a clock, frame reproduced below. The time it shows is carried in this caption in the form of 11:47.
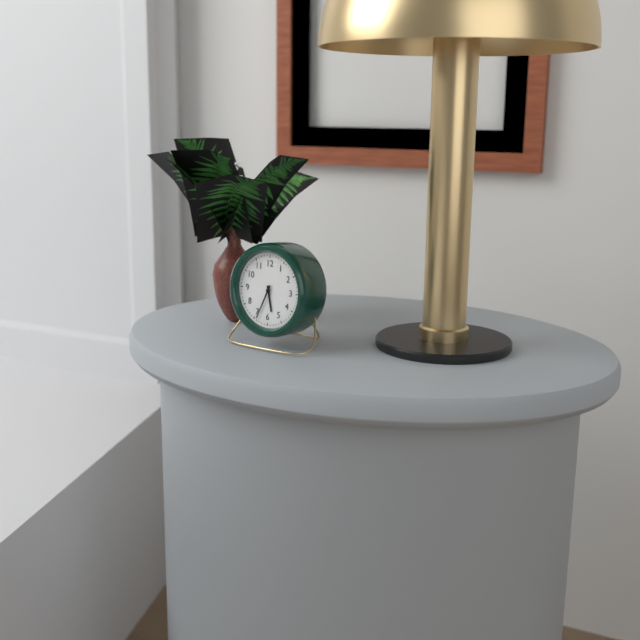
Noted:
5:34
